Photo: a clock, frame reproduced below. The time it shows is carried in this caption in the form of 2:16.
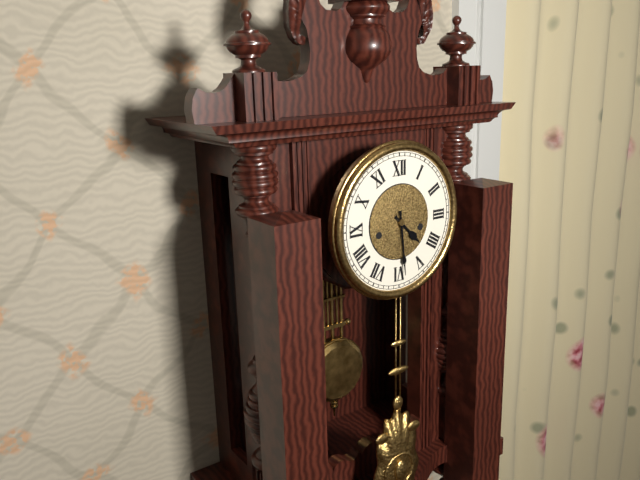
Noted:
4:29
